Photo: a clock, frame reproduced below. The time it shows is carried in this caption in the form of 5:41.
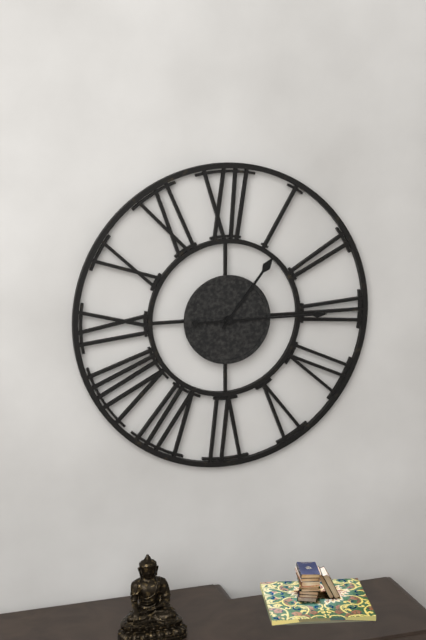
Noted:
1:15
